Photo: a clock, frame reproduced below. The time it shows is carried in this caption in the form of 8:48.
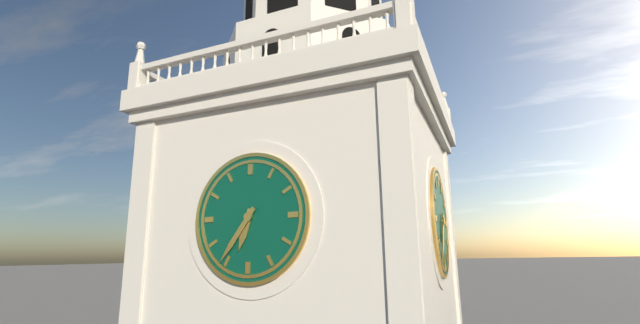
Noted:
6:36
